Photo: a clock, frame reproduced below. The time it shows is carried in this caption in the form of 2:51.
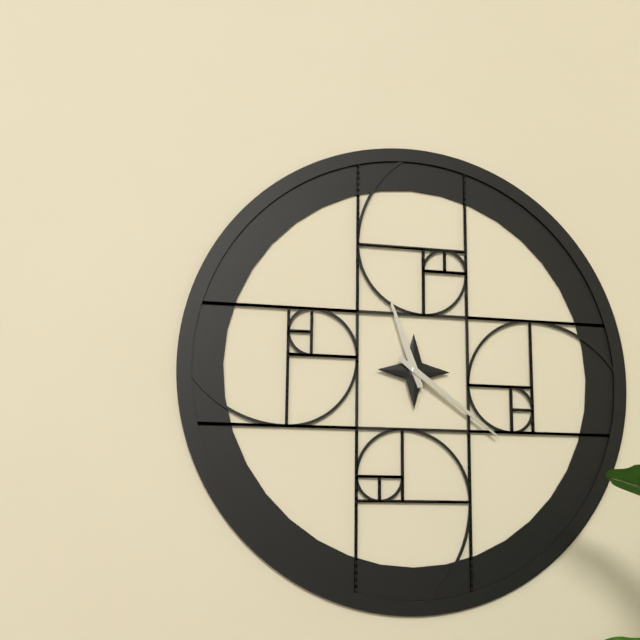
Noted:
11:21
